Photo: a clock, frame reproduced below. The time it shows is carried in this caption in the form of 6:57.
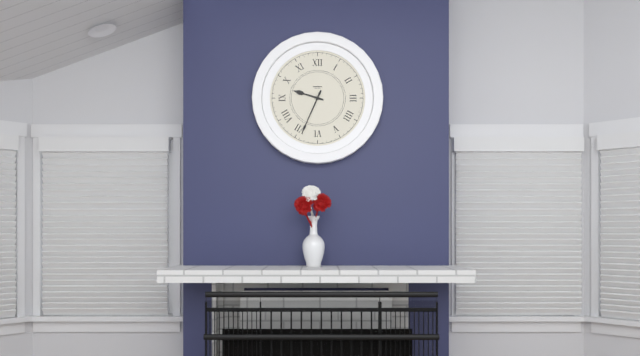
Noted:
9:34
